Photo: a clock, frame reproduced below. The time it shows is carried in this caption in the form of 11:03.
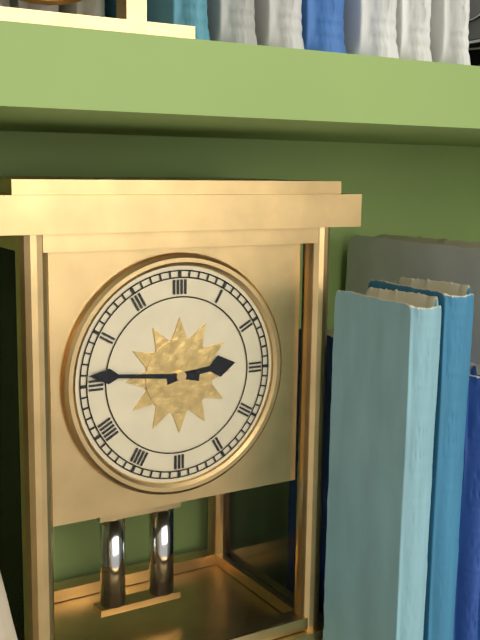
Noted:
2:46
